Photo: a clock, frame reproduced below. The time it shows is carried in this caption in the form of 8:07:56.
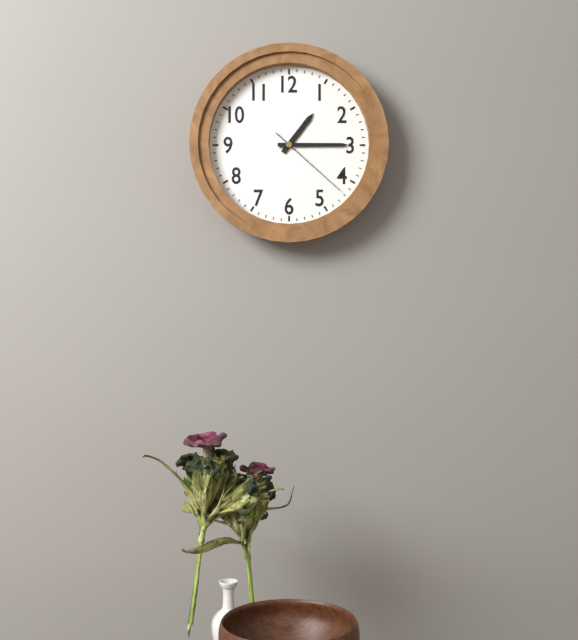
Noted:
1:15:22
